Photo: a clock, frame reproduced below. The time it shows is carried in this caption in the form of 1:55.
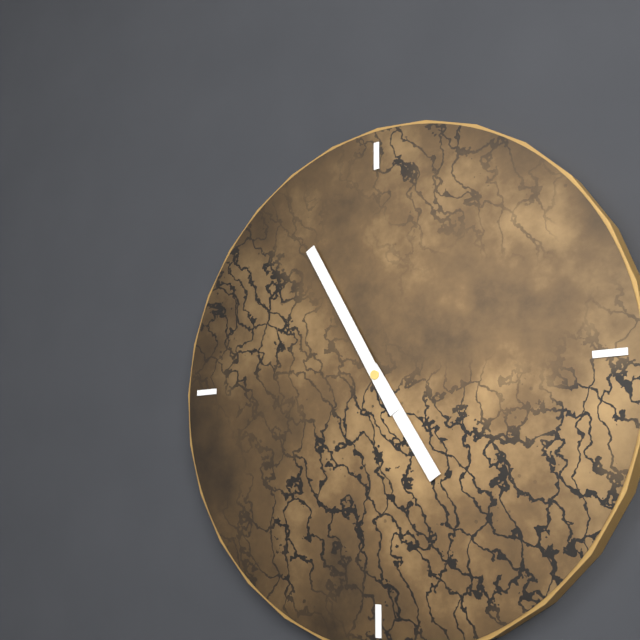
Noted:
4:55
